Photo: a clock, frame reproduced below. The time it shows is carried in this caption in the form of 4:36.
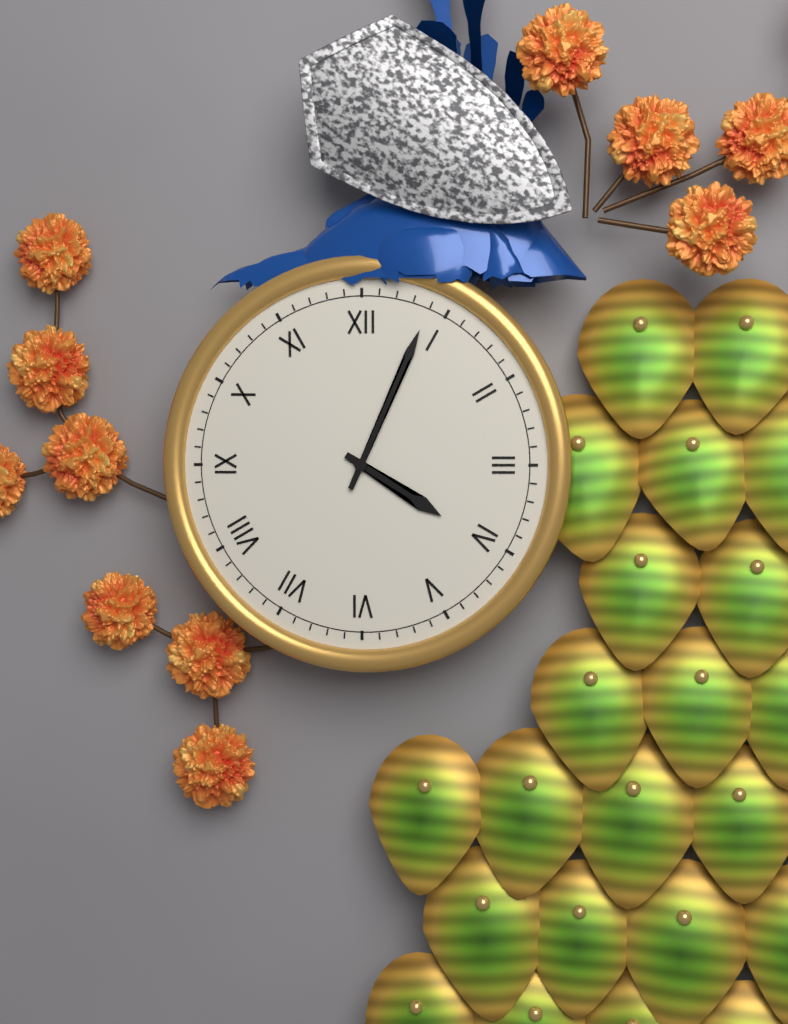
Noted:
4:04
